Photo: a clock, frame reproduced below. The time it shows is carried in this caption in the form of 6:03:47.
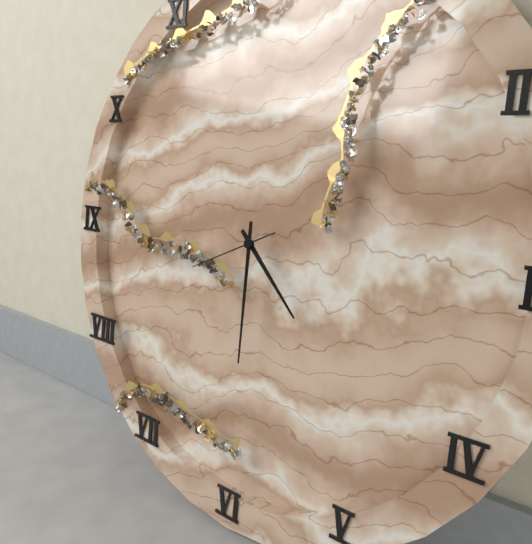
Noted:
4:30:41
